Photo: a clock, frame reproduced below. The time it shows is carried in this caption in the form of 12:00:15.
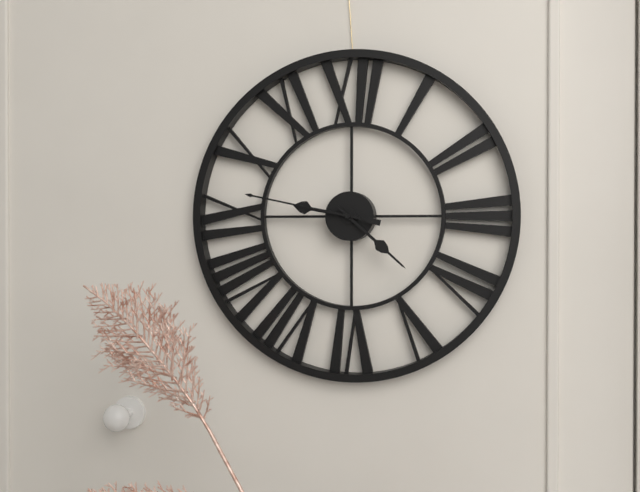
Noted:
9:22:47
